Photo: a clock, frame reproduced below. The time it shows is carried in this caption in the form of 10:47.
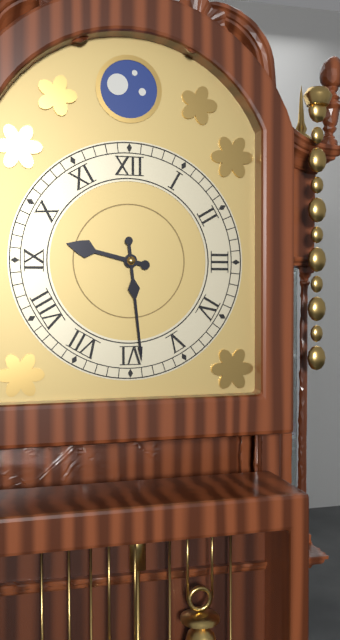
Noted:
9:29
